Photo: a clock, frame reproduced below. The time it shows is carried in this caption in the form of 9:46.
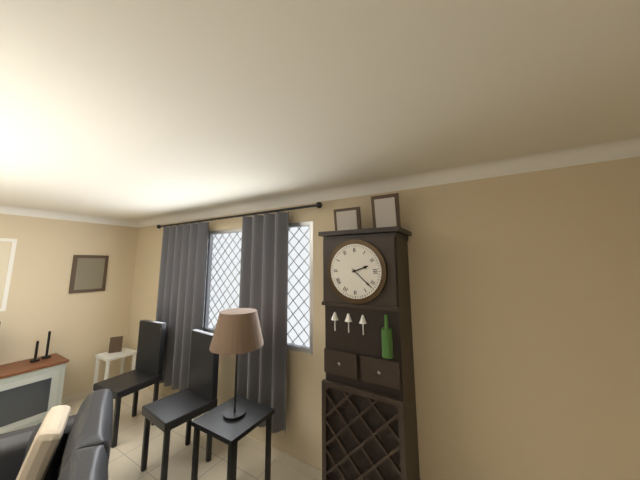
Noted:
2:22
